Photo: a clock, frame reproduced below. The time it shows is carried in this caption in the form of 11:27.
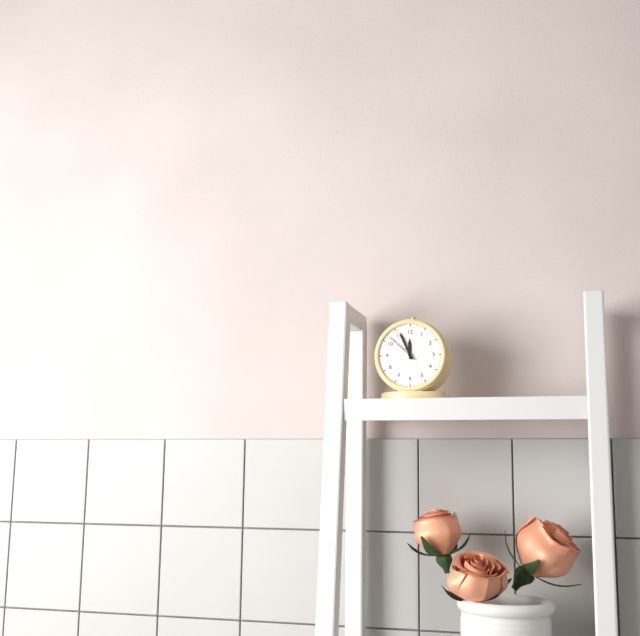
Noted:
11:56
